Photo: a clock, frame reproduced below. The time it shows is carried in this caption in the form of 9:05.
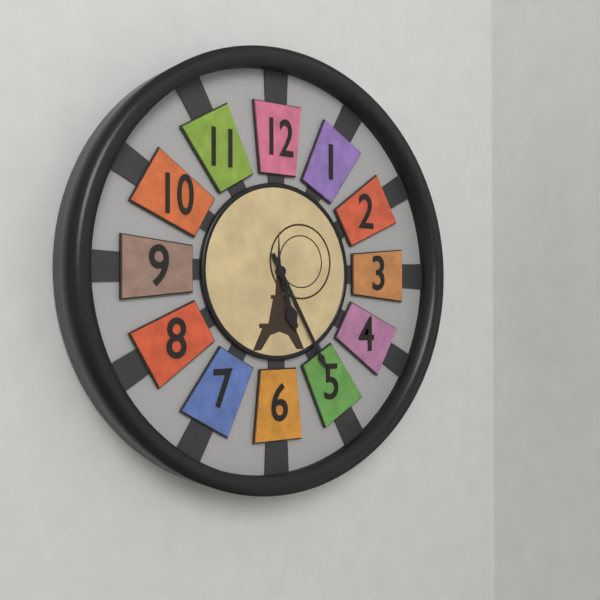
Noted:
5:25
